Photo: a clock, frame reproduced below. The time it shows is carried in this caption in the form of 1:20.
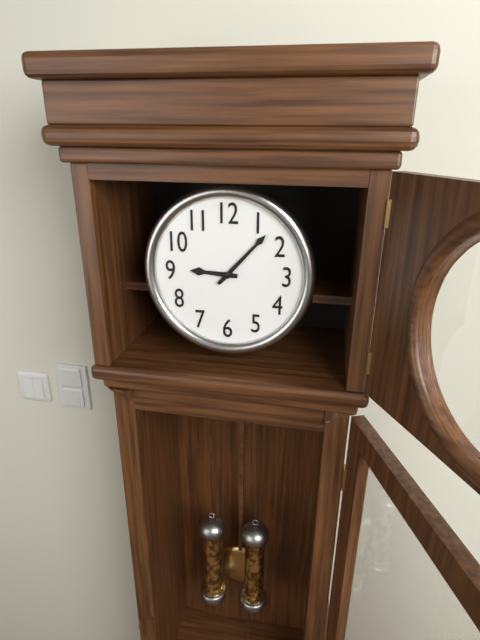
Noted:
9:07
